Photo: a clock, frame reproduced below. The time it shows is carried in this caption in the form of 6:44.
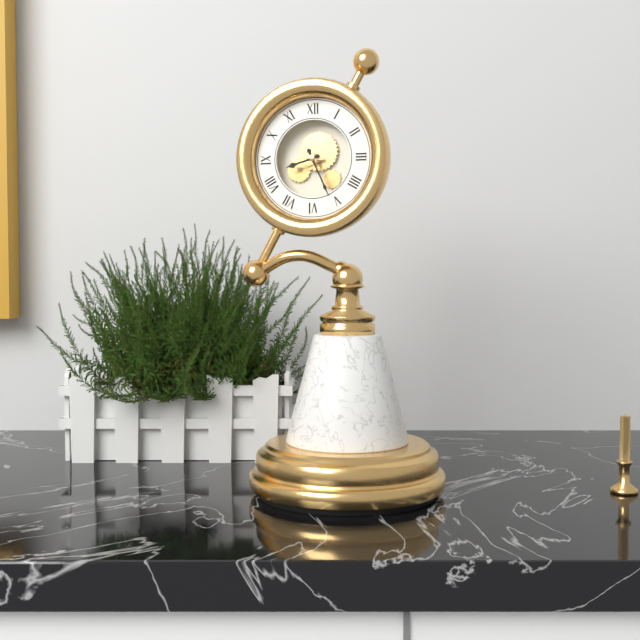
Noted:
8:26
